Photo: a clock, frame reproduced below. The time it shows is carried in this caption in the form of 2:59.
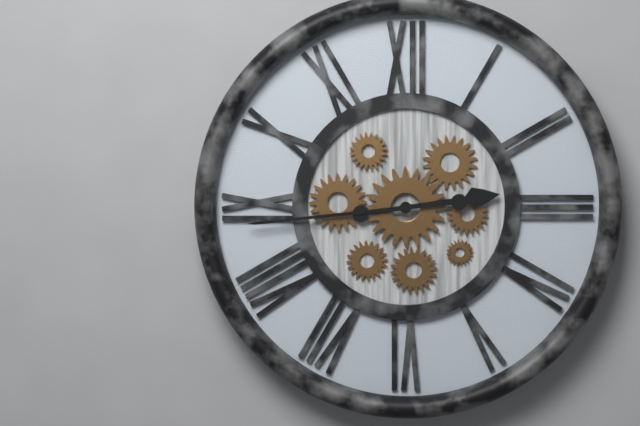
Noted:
2:44
